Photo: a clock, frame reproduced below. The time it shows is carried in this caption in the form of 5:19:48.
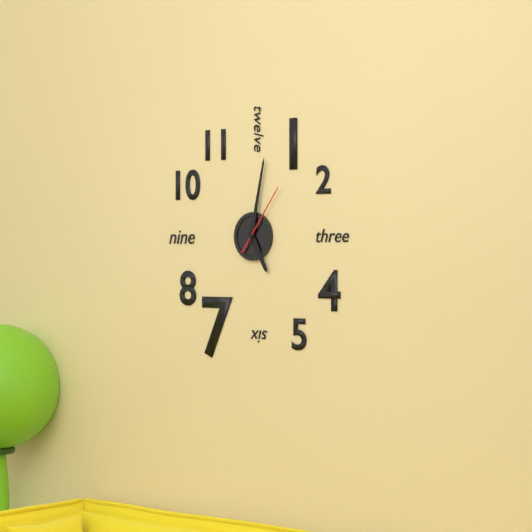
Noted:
5:02:06
